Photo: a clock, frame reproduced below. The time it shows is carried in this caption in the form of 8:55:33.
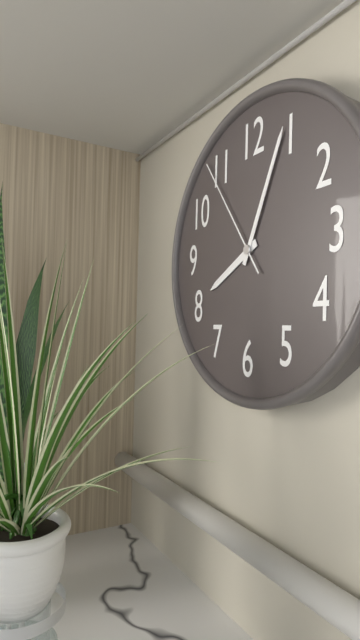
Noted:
8:04:54
